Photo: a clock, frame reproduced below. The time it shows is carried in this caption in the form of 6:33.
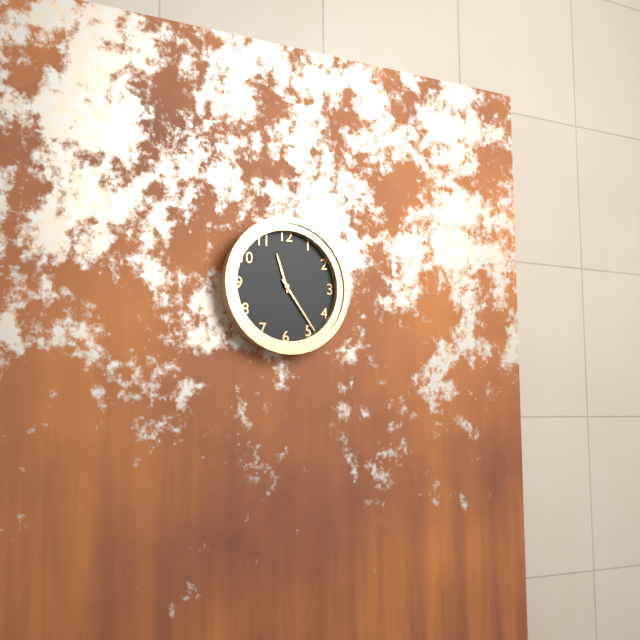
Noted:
11:24
